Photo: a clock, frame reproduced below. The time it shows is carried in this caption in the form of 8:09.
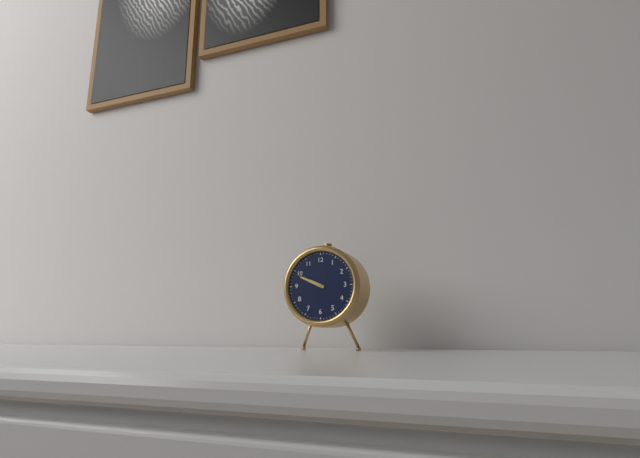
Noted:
9:49
